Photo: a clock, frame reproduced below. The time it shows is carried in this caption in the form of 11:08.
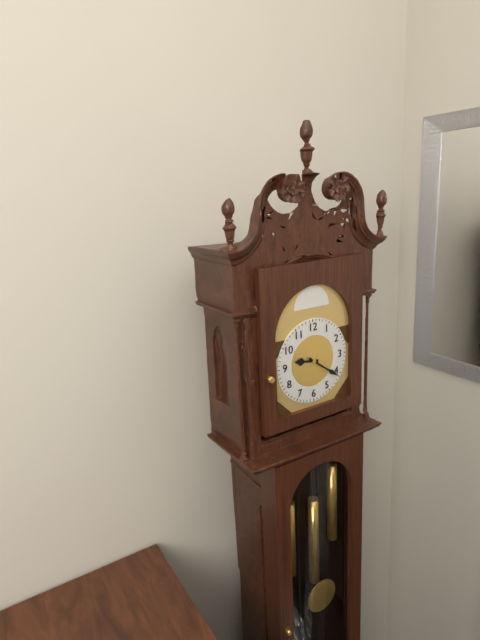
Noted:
9:21
